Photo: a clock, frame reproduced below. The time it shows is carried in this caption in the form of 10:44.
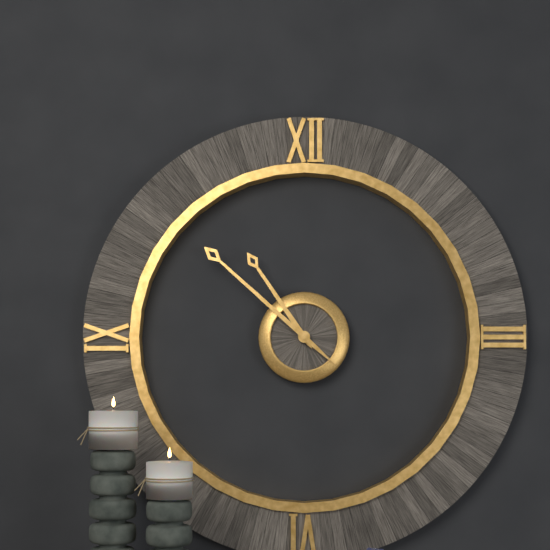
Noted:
10:52
